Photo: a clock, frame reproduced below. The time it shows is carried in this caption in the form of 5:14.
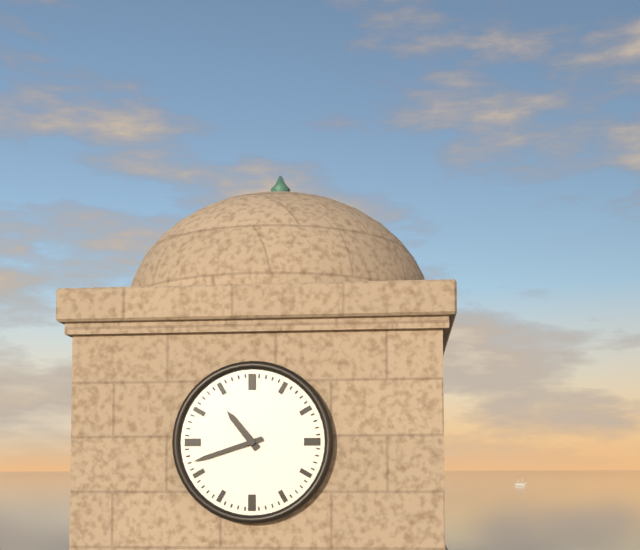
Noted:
10:42
